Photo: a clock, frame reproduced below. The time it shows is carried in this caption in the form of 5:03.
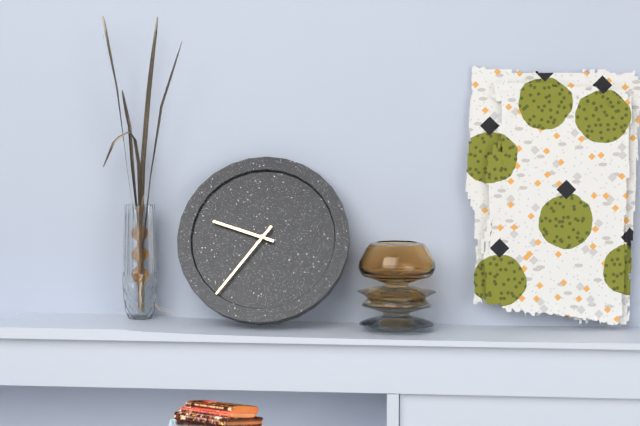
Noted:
9:36
